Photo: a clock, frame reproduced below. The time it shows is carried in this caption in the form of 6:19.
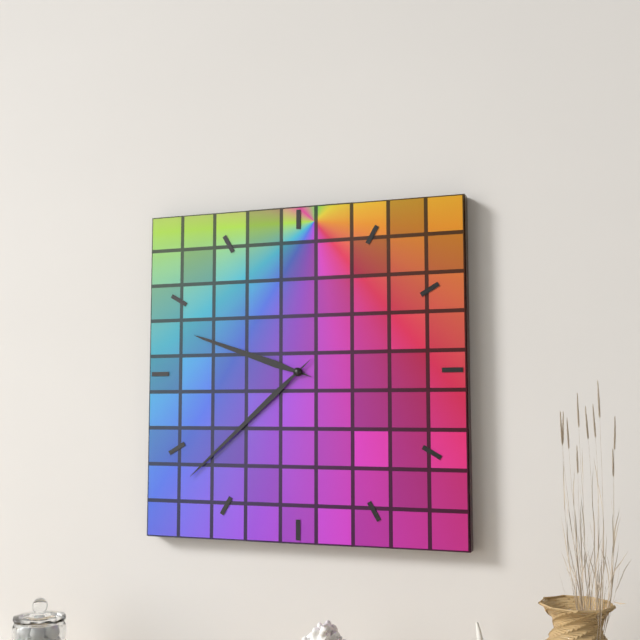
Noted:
9:38
